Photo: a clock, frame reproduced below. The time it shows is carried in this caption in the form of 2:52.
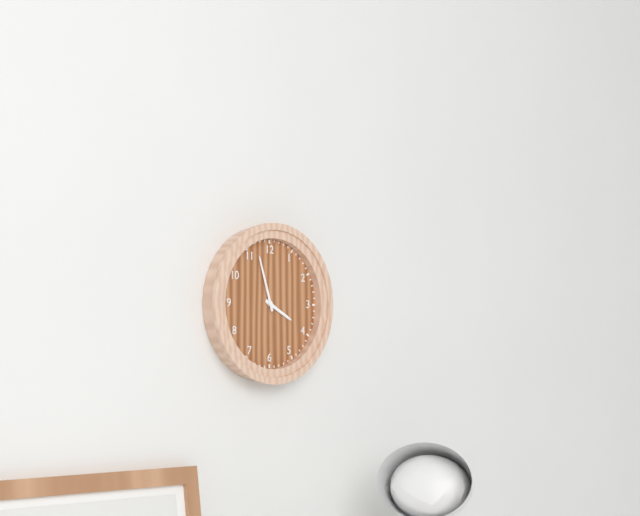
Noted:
3:57
